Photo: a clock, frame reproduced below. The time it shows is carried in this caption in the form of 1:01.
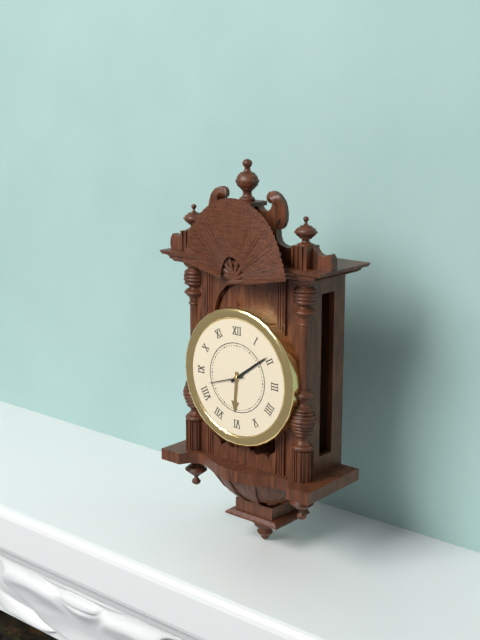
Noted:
6:09
